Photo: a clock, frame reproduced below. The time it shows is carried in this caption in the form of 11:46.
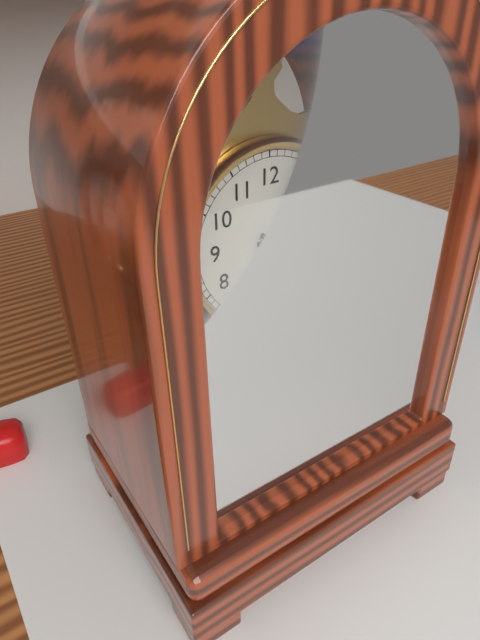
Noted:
4:15
